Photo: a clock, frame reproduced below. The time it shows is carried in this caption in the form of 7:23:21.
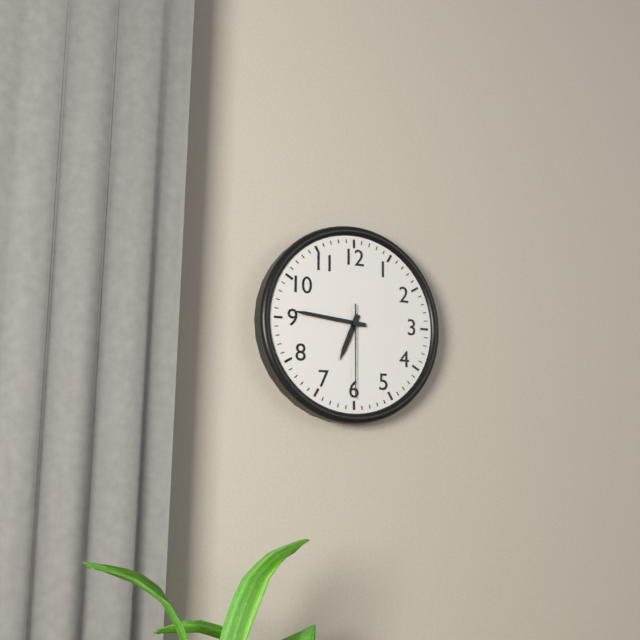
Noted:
6:46:30
